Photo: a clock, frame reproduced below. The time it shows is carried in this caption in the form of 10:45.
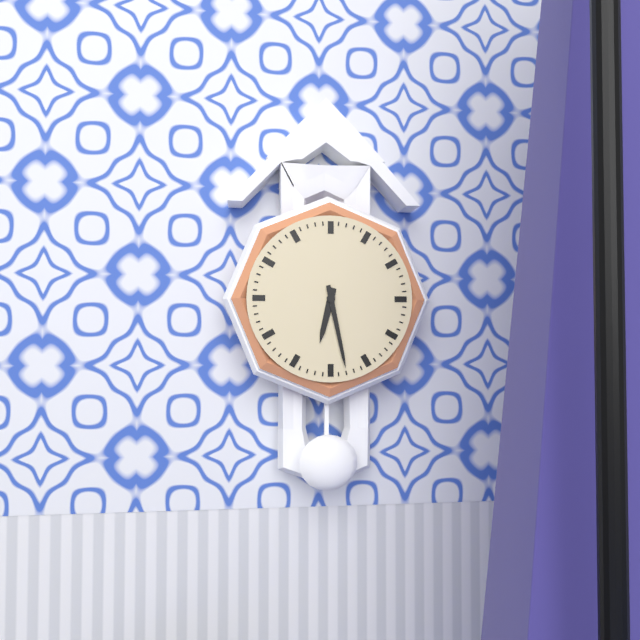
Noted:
6:28
